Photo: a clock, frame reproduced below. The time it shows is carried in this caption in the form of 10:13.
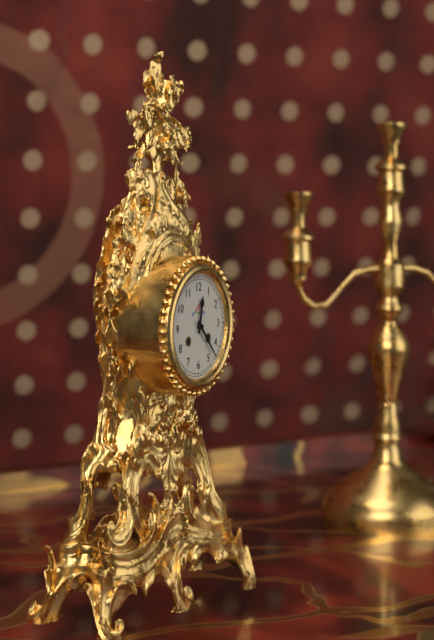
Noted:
12:23
